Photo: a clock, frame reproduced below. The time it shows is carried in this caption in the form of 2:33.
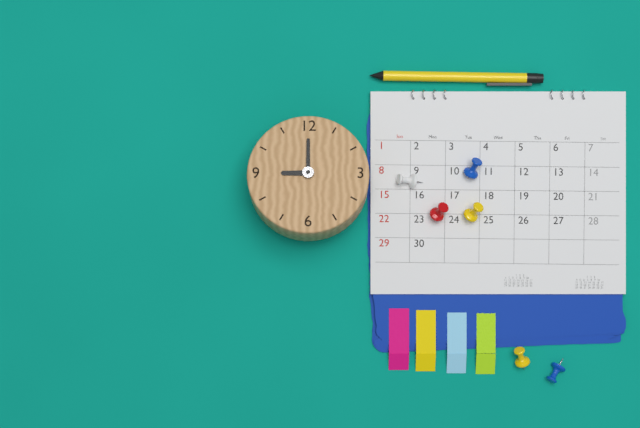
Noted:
9:00
